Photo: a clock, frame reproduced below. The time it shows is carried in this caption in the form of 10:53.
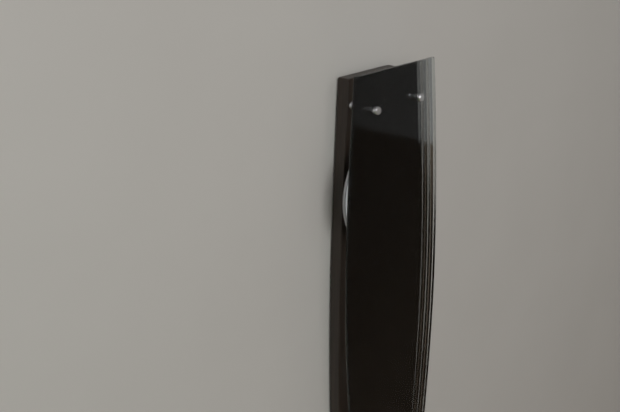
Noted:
11:56
